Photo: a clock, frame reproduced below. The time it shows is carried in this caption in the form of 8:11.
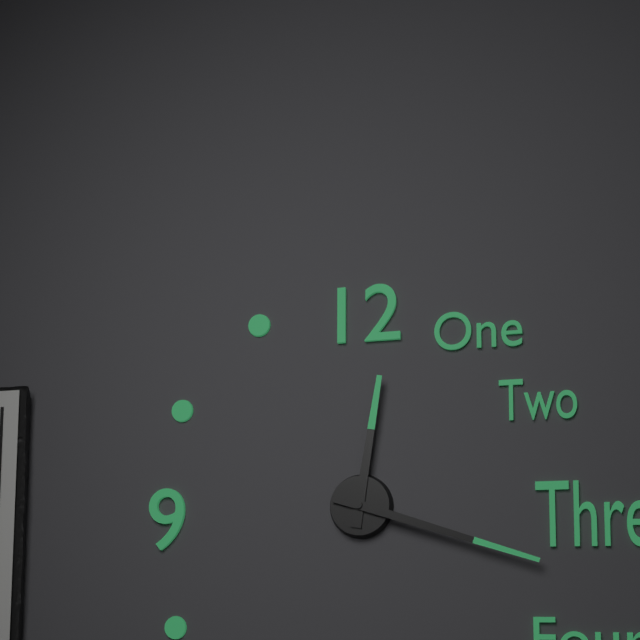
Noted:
12:18
